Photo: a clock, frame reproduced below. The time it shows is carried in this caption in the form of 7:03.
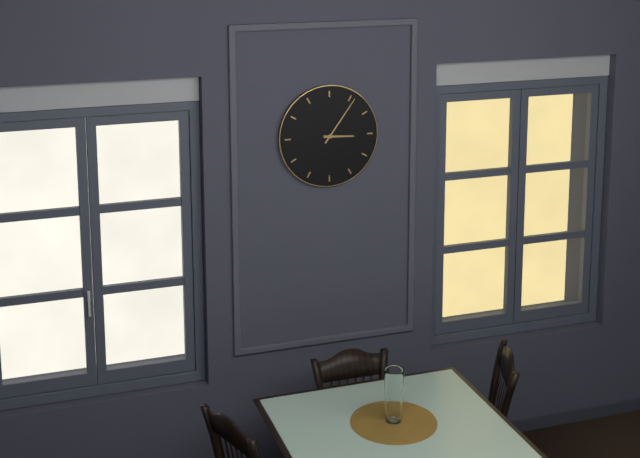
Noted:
3:06
